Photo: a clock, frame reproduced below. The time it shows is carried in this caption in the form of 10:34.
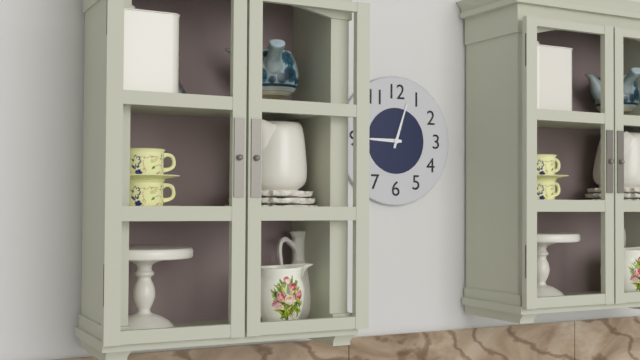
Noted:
9:03
